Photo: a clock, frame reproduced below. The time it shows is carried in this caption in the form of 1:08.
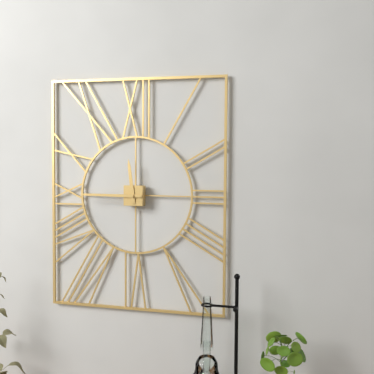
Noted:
11:45
